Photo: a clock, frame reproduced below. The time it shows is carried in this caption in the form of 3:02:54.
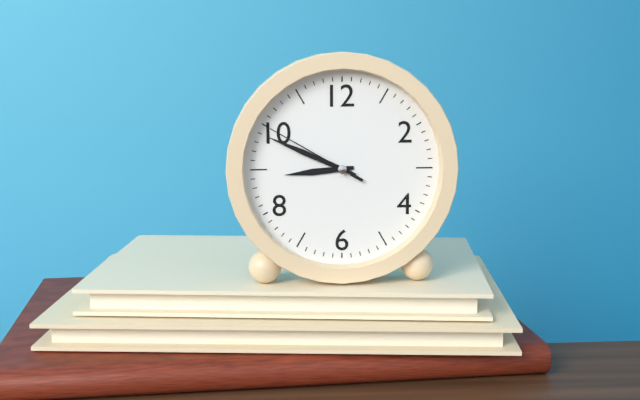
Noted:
8:49:50
